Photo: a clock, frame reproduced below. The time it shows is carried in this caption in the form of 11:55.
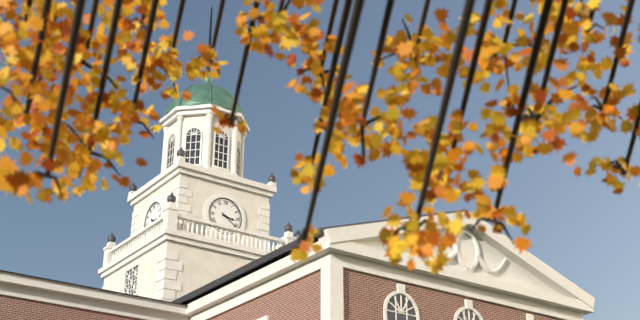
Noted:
3:21
